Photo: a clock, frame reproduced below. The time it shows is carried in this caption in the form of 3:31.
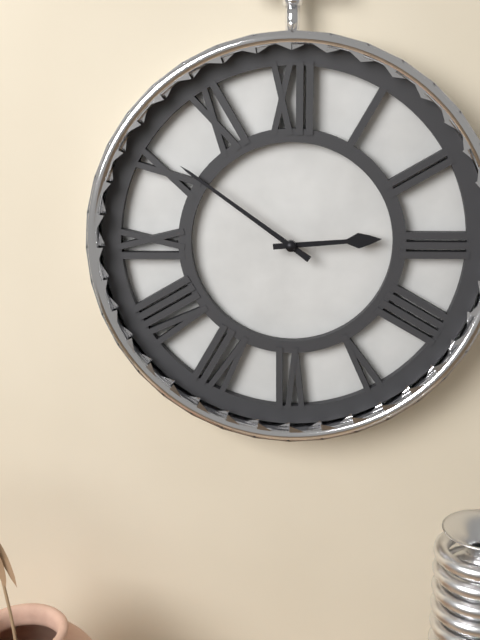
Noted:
2:51
